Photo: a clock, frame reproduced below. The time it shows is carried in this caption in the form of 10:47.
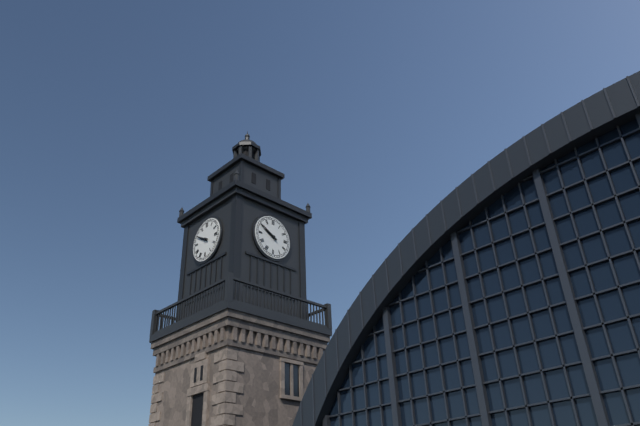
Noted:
9:50
